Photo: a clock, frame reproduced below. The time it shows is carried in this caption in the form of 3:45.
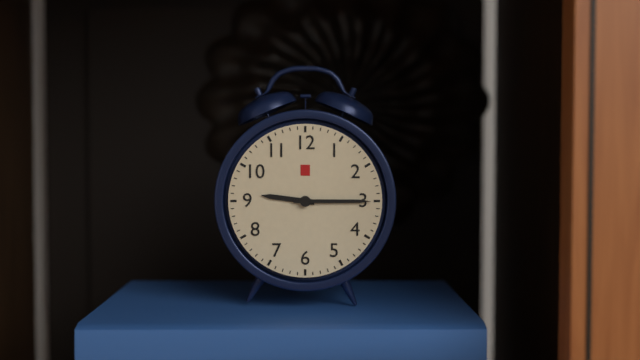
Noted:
9:15
